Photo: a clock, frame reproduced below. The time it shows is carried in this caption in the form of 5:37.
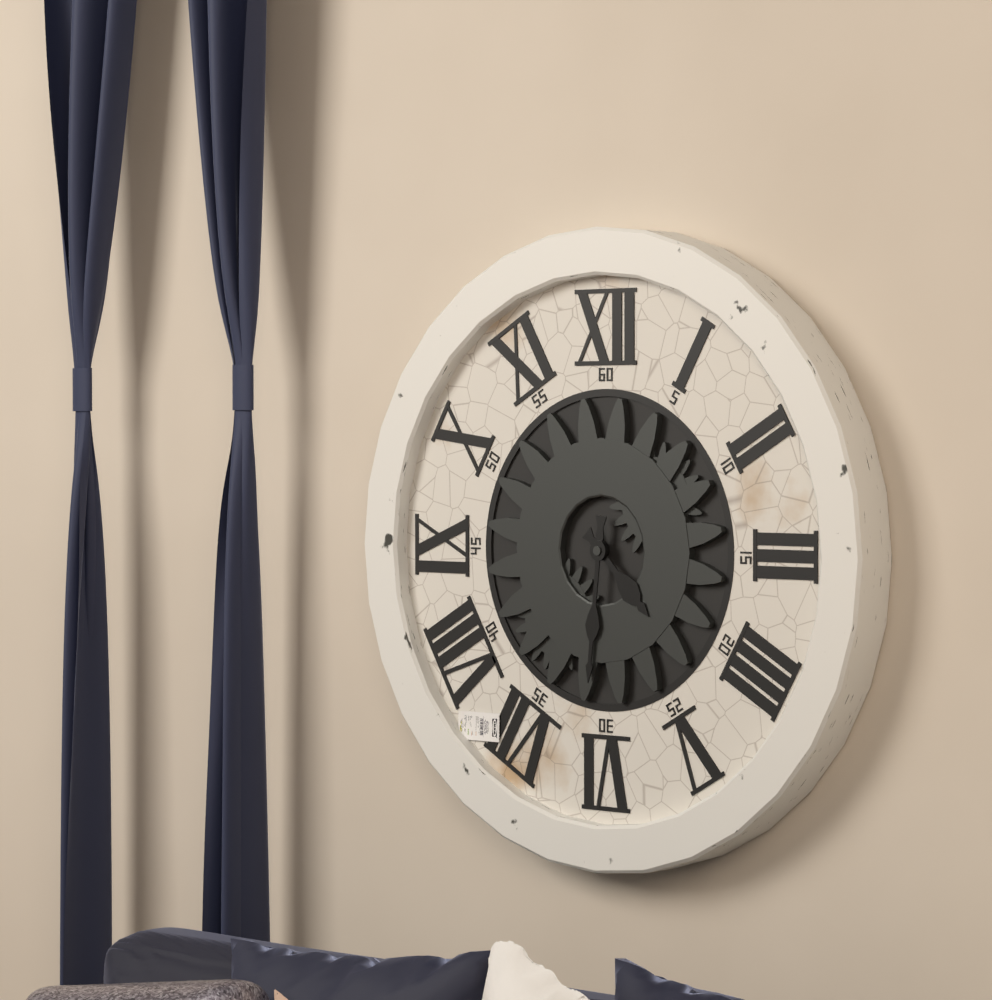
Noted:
4:31
